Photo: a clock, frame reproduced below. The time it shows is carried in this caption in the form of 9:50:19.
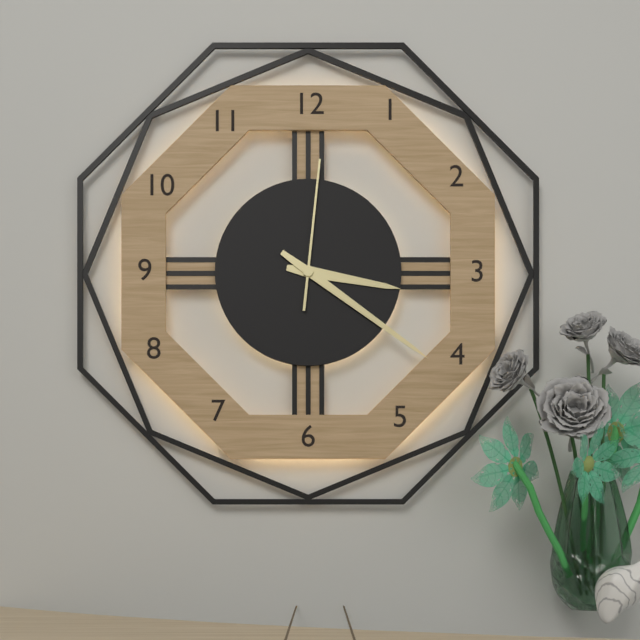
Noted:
3:21:01
